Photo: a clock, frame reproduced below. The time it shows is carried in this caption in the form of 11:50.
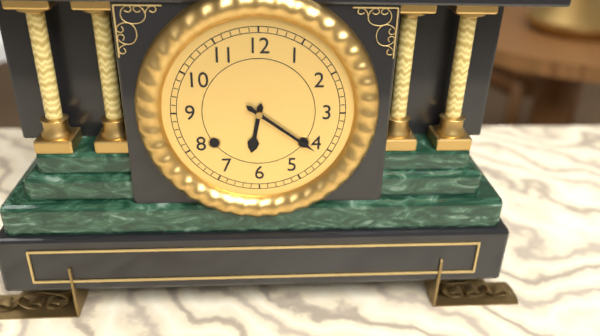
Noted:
6:21
